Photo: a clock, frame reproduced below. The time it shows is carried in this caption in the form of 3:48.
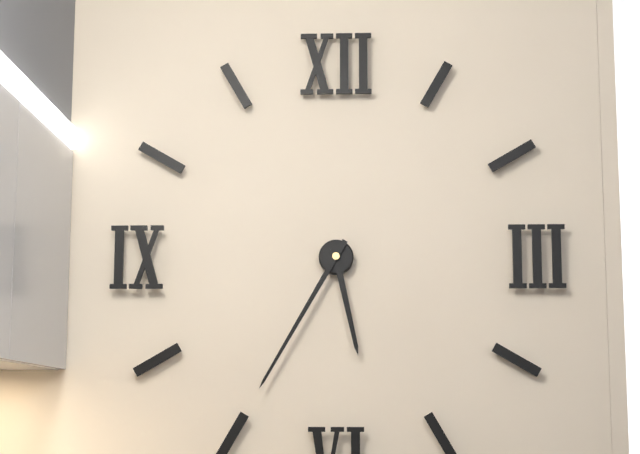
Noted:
5:35
